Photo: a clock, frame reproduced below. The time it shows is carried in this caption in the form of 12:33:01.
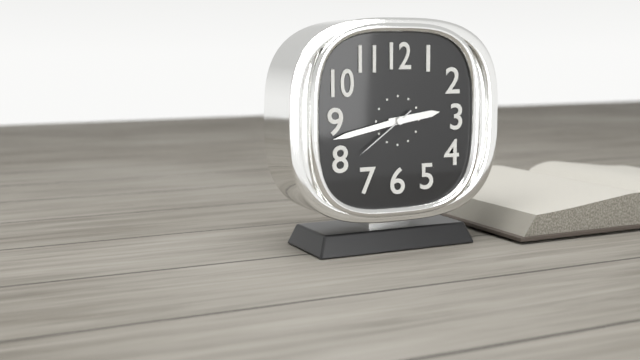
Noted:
2:43:39
